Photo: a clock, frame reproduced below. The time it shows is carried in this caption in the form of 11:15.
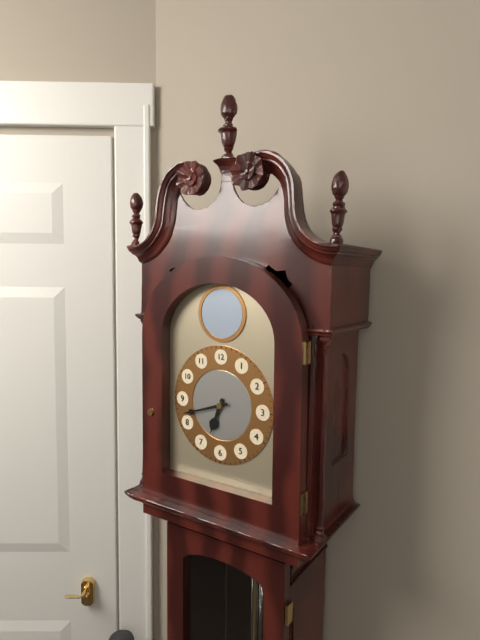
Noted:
6:42
